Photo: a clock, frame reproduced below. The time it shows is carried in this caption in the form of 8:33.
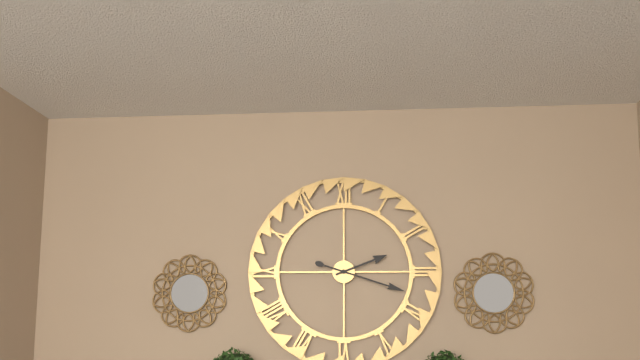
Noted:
2:18
